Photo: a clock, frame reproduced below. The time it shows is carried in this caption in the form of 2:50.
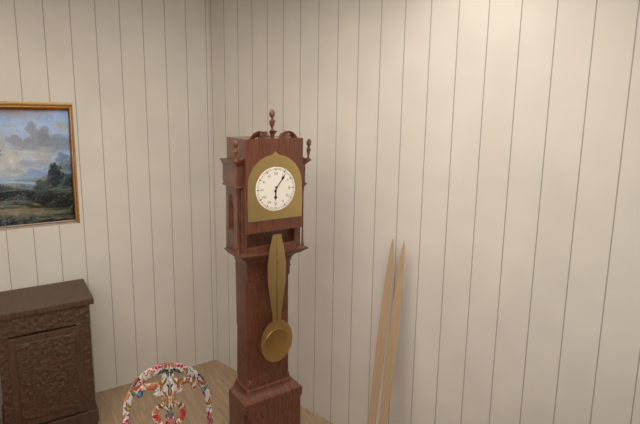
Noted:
6:06
